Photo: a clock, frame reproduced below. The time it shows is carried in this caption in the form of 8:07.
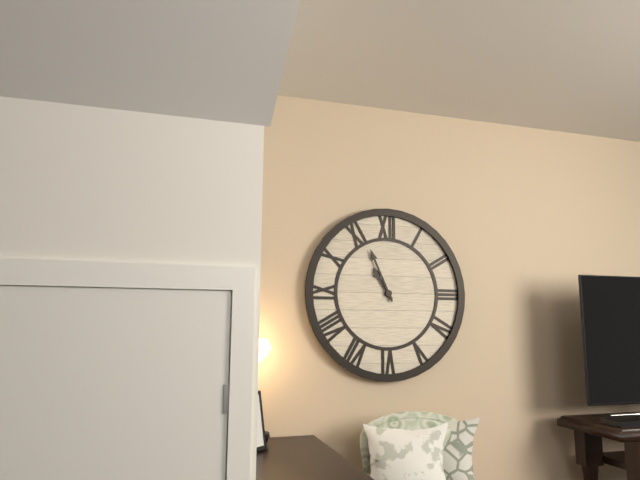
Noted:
10:56
